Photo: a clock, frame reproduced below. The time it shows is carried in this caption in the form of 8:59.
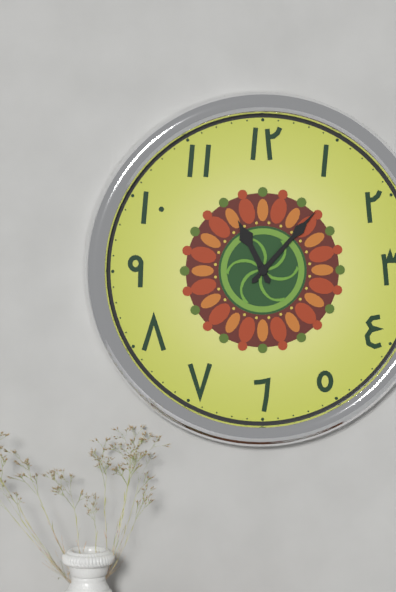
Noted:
11:07
